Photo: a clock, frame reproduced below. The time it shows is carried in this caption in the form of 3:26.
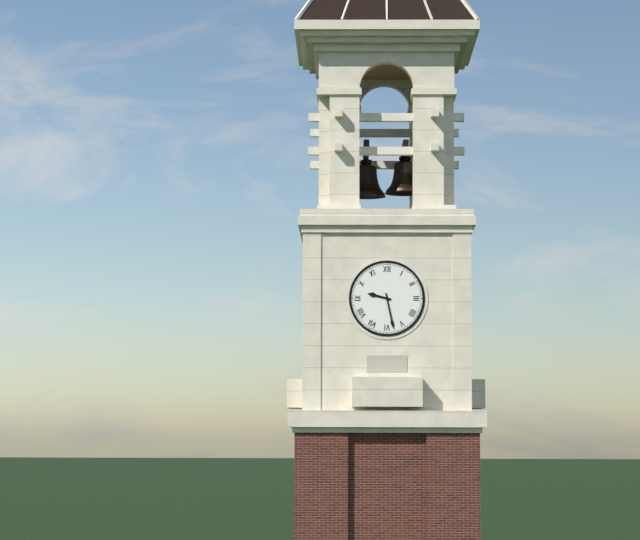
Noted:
9:28
